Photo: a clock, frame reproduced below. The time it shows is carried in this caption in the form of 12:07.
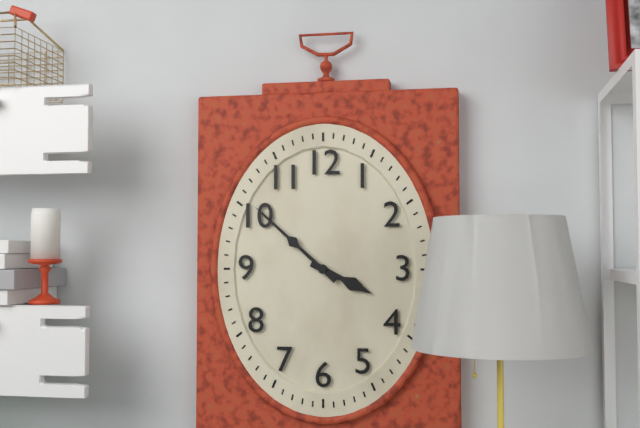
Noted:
3:52
